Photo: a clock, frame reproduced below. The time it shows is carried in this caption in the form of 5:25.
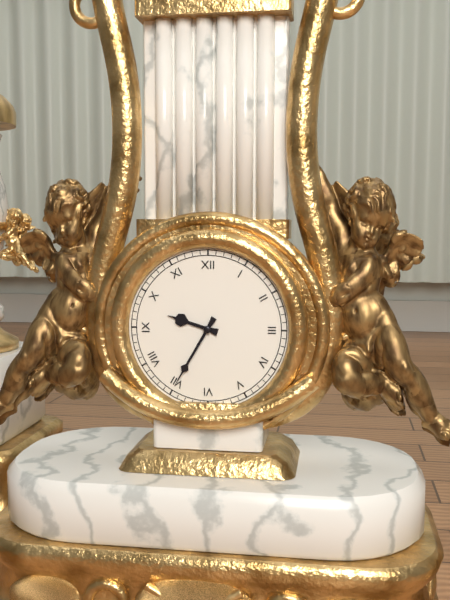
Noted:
9:35
